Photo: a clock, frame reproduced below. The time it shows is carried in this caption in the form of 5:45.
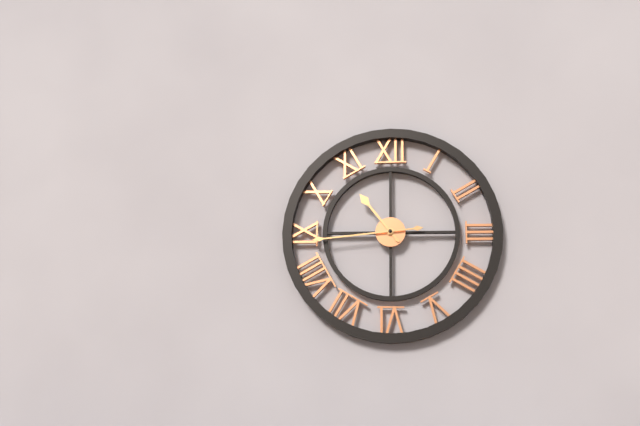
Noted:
10:44
